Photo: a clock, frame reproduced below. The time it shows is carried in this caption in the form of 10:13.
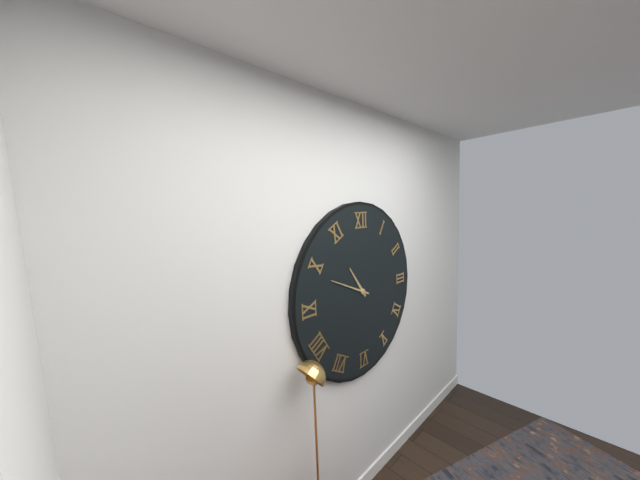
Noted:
10:49
